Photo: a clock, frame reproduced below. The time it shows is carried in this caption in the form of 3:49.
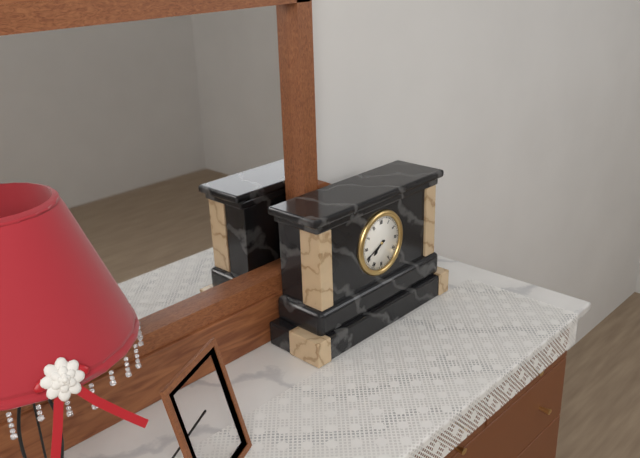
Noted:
7:41
